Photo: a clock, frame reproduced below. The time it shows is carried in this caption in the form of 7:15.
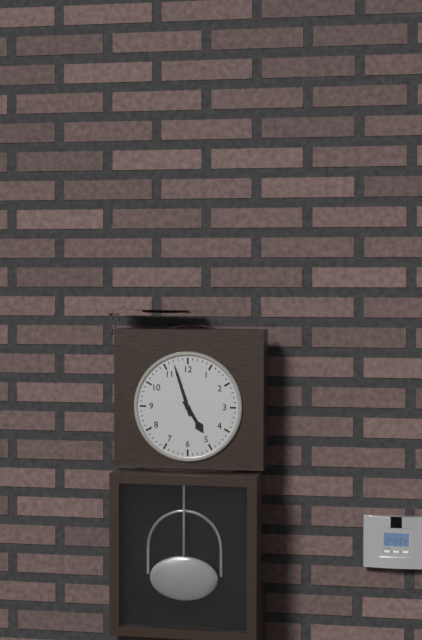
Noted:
4:57
